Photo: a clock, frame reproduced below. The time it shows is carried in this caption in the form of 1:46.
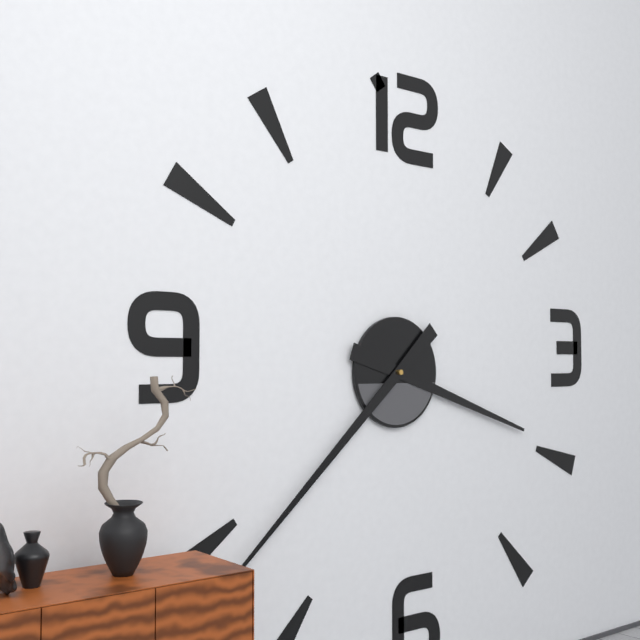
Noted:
3:38
